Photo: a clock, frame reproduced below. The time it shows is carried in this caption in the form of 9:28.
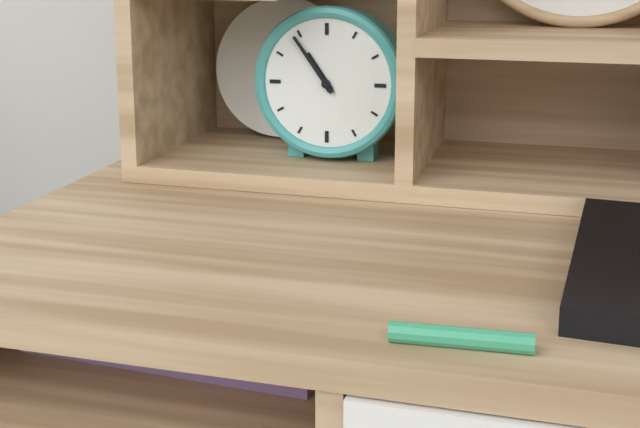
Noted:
10:54
